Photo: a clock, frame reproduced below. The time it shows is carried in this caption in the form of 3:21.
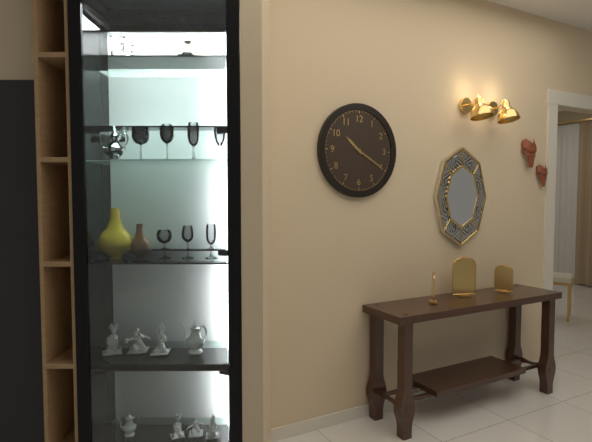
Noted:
10:20
